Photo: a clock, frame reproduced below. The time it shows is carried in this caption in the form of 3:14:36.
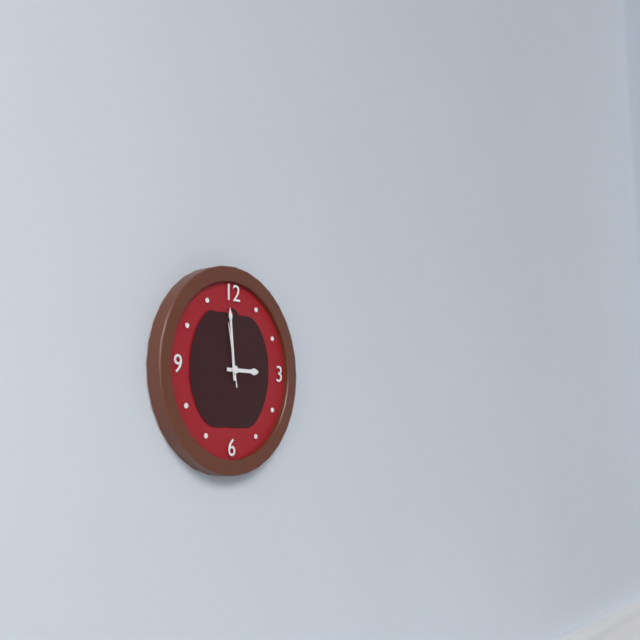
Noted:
2:59:58
